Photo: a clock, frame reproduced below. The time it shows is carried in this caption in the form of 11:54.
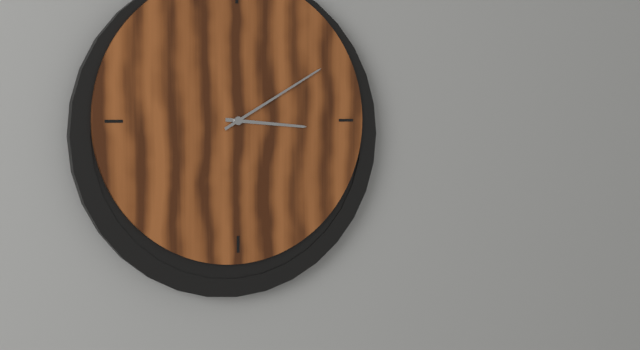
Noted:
3:10
